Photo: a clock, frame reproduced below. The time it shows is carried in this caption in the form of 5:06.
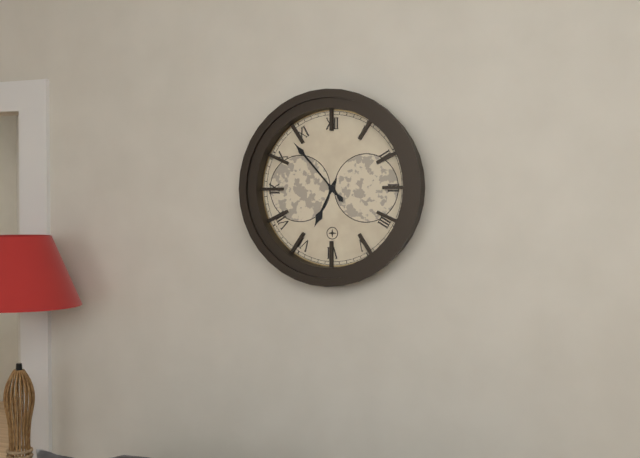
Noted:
6:53
